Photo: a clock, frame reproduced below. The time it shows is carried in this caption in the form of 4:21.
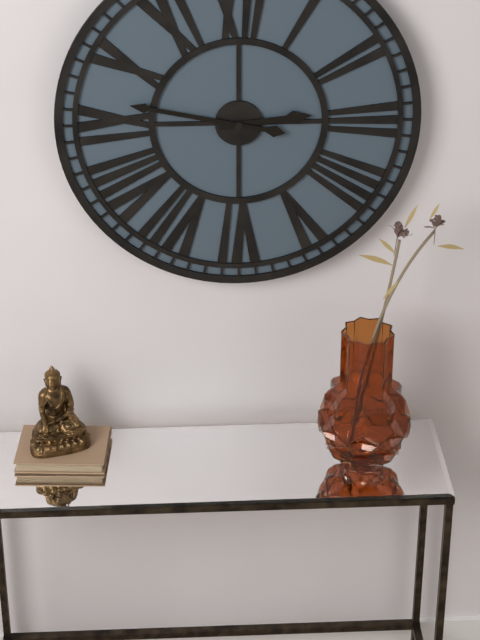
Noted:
2:47
